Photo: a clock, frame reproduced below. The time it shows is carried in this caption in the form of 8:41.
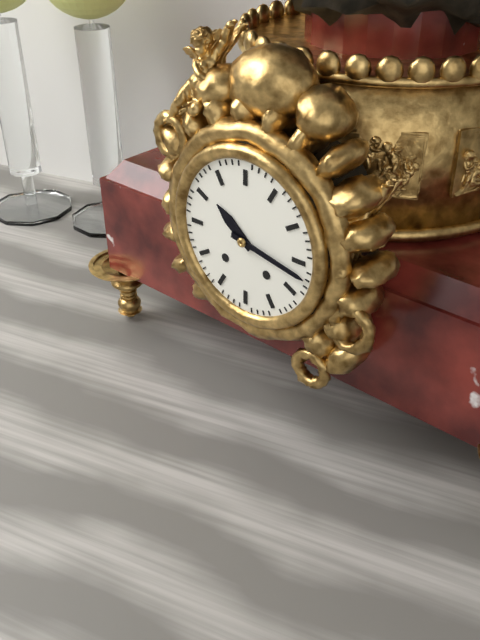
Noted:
10:17
